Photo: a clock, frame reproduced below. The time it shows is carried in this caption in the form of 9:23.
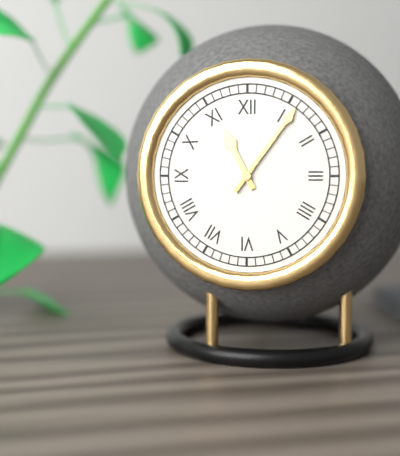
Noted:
11:06
